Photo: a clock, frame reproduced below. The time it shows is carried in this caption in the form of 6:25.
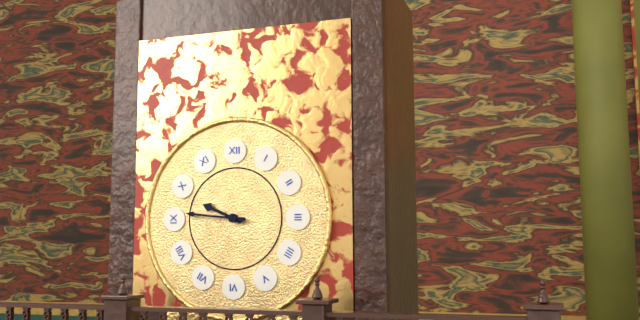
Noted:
9:46
